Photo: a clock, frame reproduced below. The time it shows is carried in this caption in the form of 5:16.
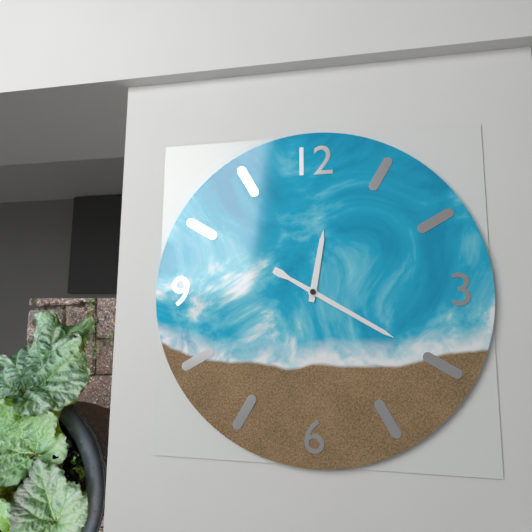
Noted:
12:20
